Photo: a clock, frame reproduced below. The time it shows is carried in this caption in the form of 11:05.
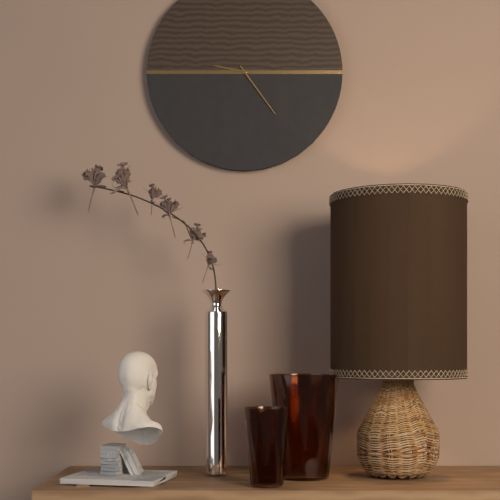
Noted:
9:24
